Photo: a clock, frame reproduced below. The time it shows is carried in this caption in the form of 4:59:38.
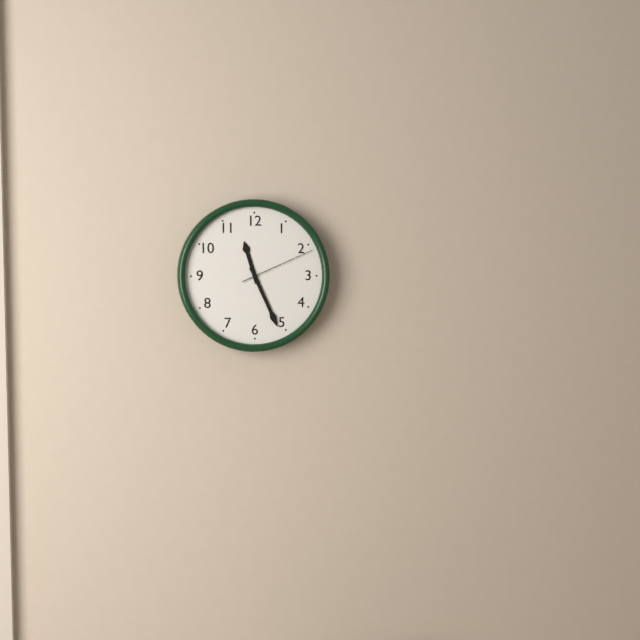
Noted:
11:26:11
